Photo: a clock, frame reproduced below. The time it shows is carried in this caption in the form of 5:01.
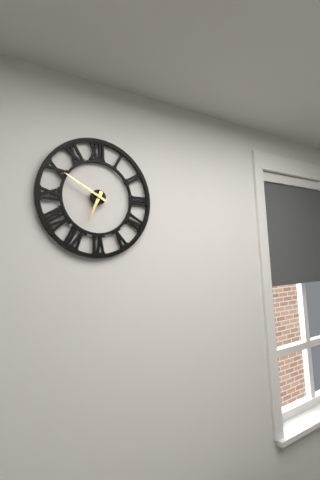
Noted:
6:50
